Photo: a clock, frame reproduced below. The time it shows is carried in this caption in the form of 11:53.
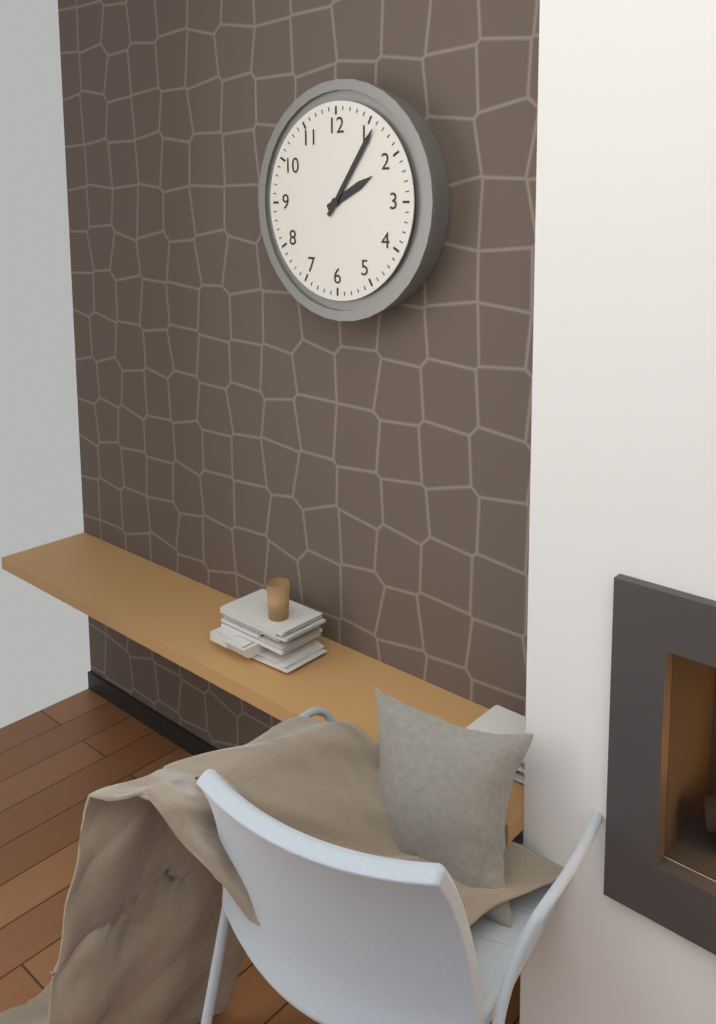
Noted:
2:06
